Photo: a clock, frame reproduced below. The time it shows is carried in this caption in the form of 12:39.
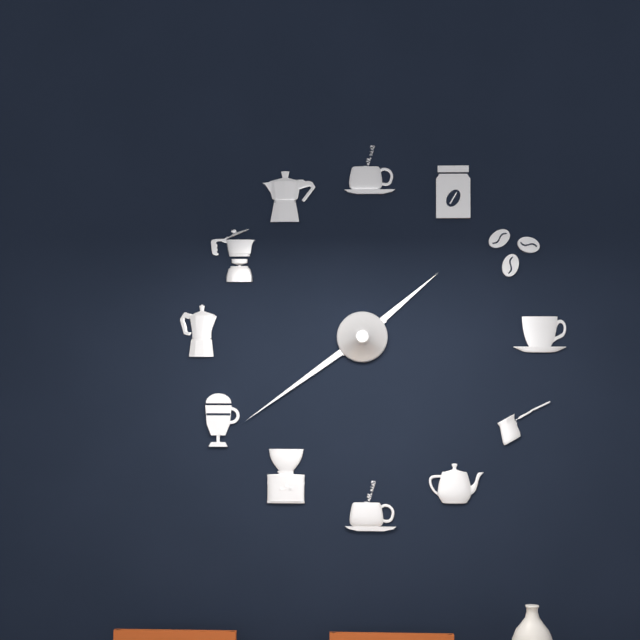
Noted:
1:39
